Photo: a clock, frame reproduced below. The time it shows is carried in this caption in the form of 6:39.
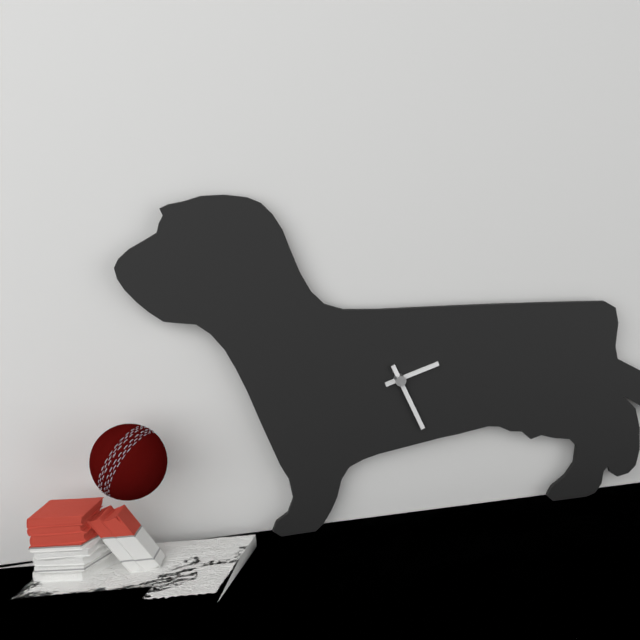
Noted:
2:26
